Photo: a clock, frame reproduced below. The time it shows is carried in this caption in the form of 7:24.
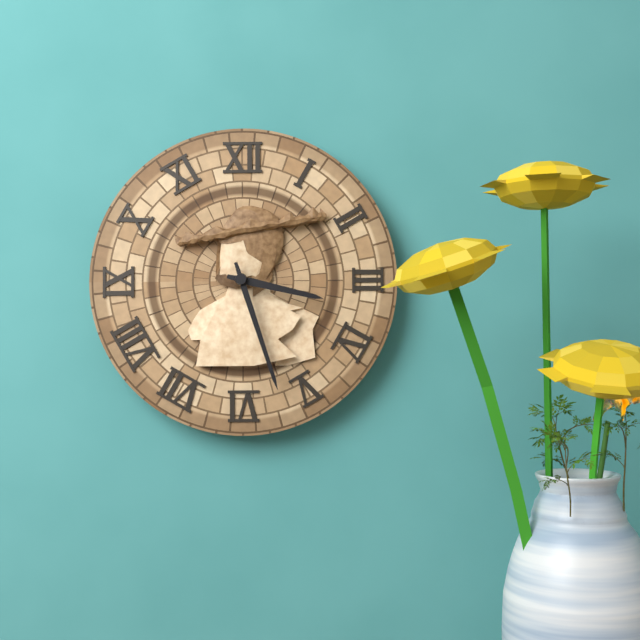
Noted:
3:27
